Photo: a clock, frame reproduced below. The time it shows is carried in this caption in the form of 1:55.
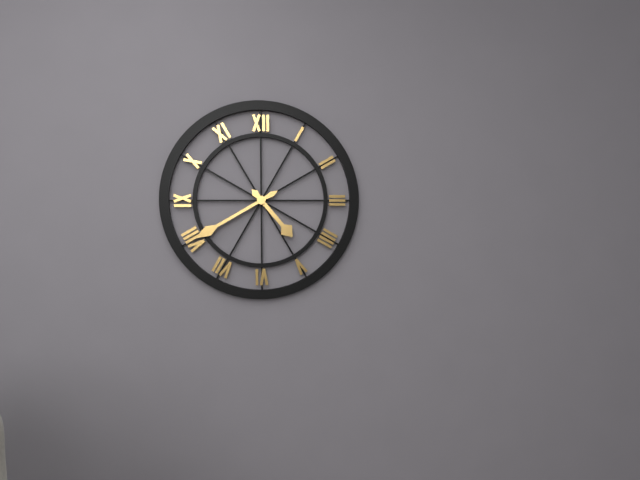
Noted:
4:40
